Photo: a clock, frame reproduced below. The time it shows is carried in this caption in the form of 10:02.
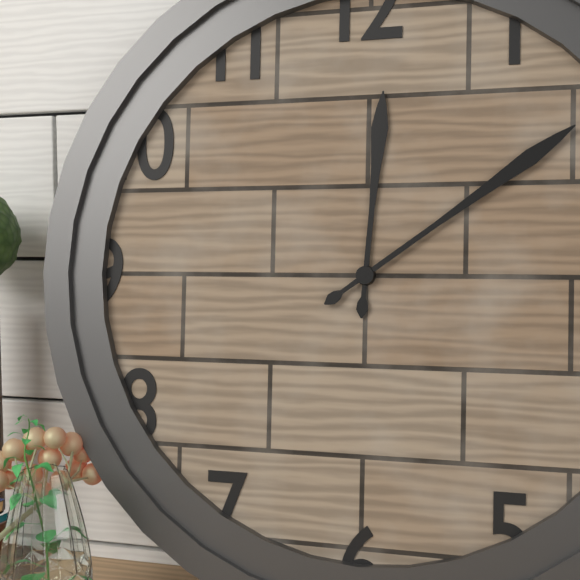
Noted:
12:09
